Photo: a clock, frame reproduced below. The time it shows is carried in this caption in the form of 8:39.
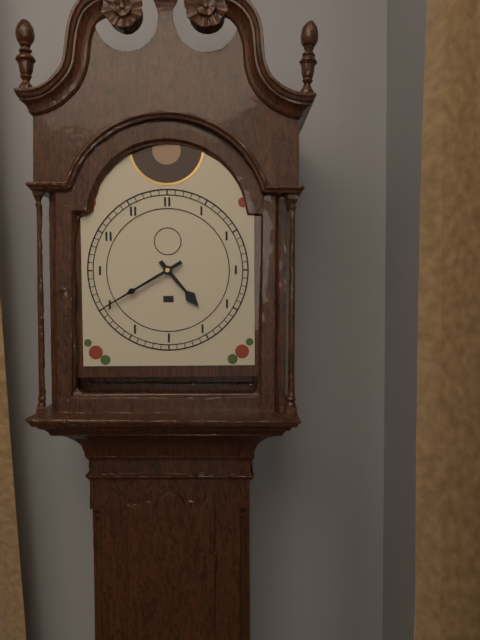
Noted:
4:40
